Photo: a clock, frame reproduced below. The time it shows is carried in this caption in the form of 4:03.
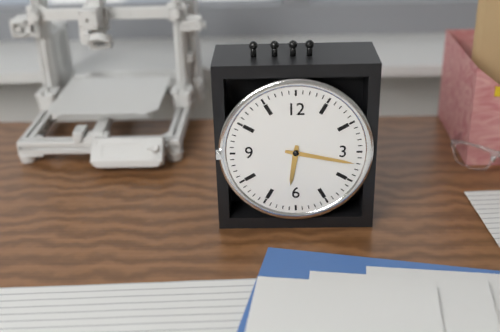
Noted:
6:17
